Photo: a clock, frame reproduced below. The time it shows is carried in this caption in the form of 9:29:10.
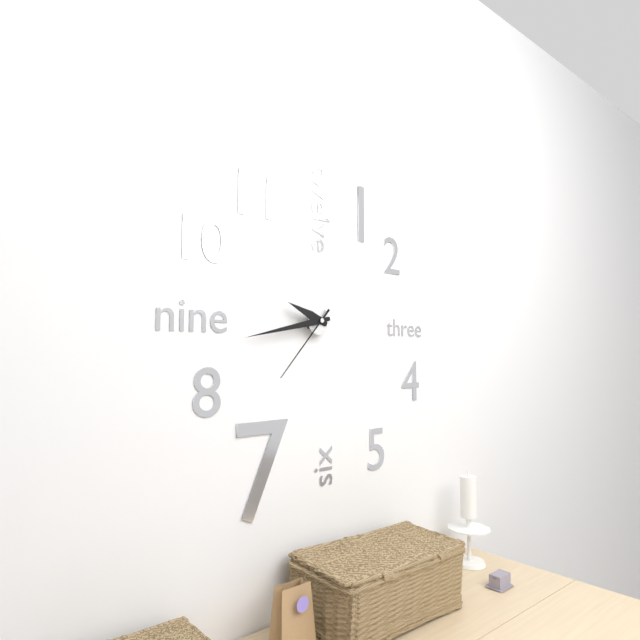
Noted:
9:43:37
